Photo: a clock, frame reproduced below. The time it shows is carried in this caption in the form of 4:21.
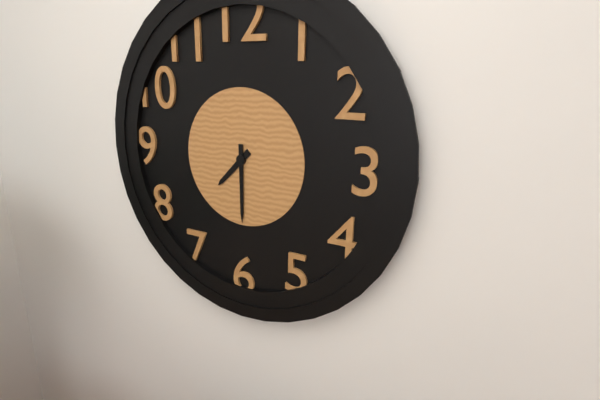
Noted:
7:30
